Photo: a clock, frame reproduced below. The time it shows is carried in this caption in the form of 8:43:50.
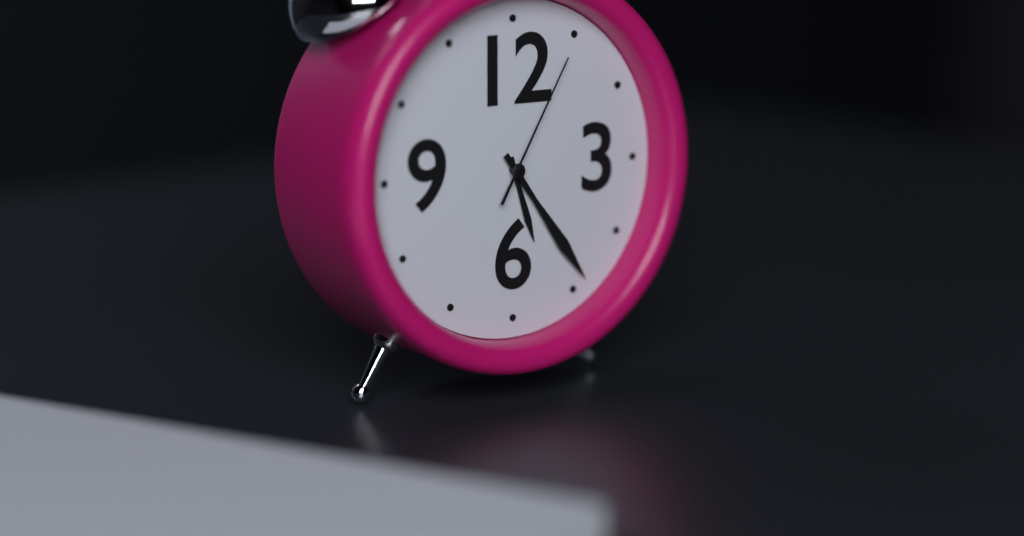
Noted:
5:24:05
